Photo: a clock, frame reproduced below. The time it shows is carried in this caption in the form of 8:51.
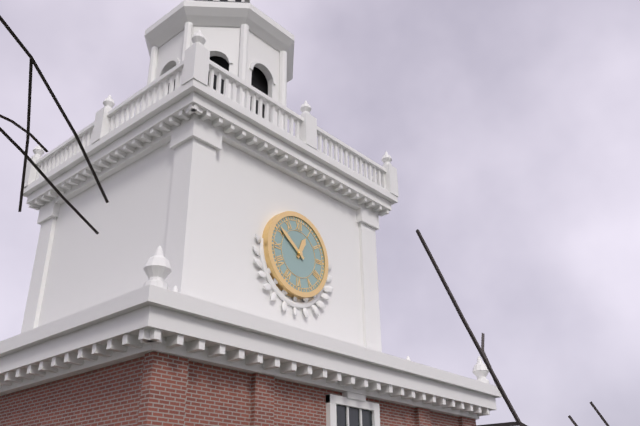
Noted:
12:51
